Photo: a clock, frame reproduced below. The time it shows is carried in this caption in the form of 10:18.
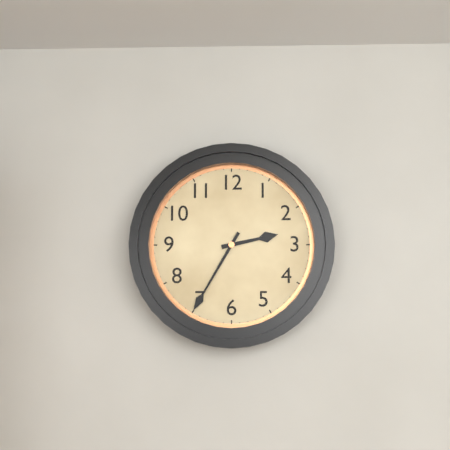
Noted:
2:35
